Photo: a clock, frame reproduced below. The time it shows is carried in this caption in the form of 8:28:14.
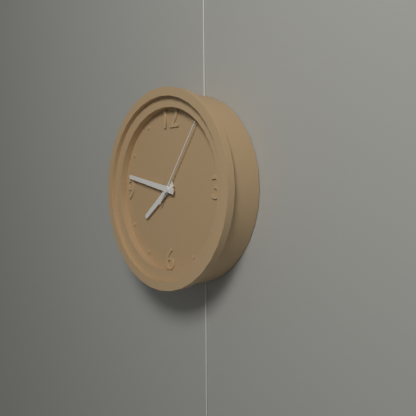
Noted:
7:47:06
